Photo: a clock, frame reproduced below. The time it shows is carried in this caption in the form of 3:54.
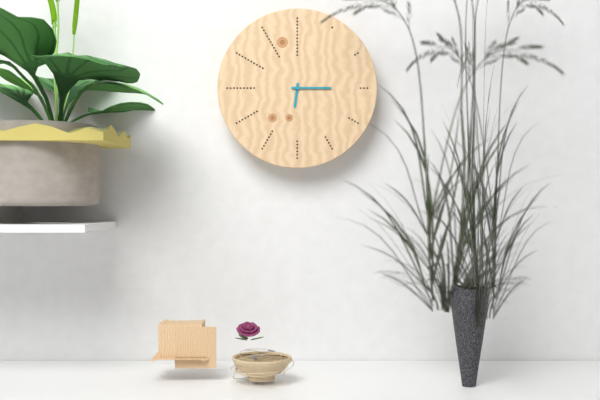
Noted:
6:15
